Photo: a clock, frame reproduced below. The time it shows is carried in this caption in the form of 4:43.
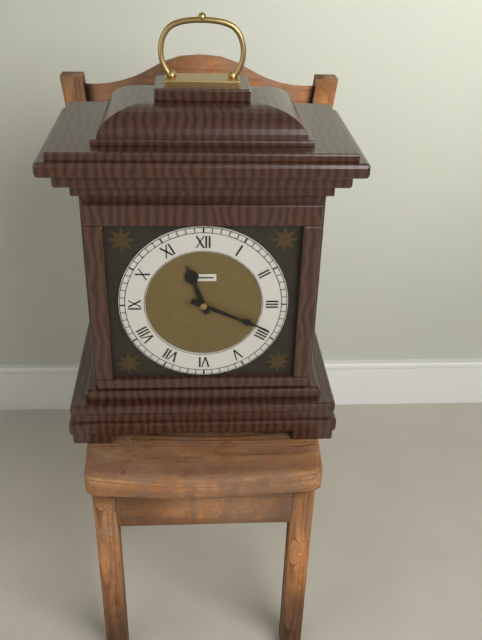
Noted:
11:19
